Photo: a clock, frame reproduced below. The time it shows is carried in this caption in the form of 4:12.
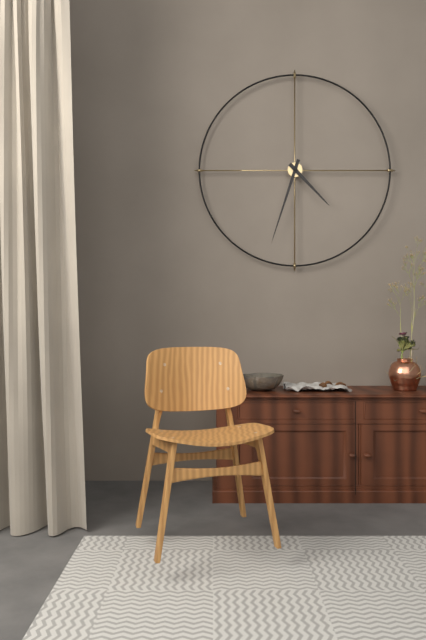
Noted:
4:33
